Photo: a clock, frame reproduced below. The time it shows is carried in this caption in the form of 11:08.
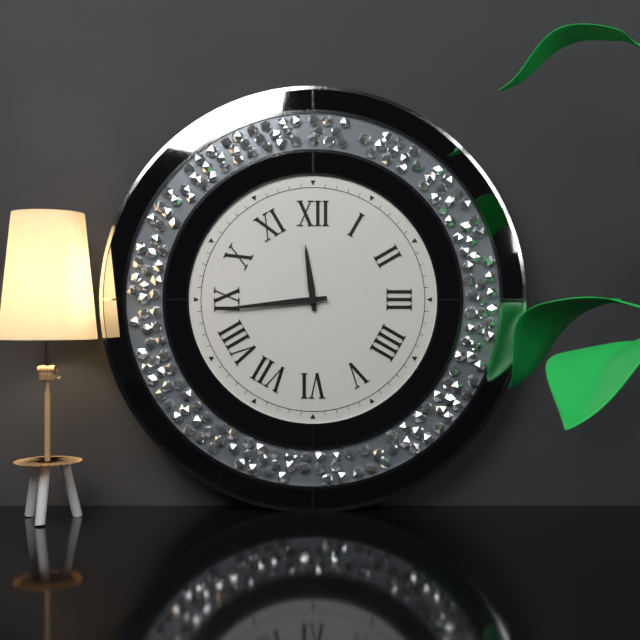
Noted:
11:44
